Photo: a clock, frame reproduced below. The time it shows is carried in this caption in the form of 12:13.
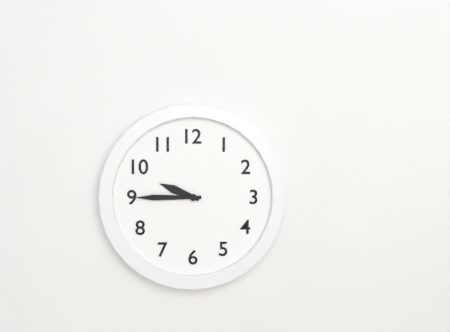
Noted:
9:45
